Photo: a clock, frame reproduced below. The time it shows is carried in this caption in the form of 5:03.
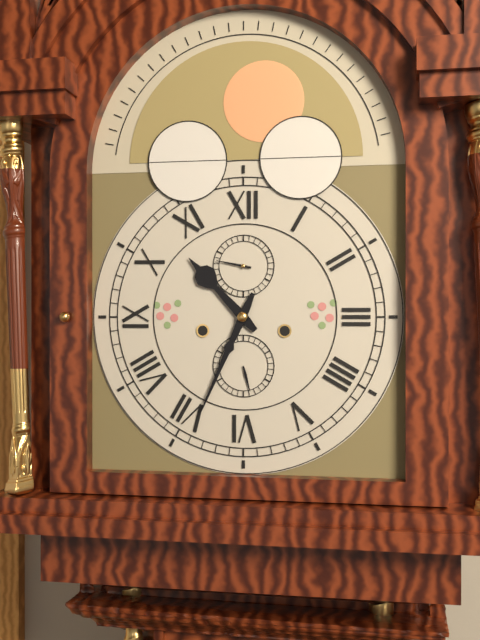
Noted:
10:34
